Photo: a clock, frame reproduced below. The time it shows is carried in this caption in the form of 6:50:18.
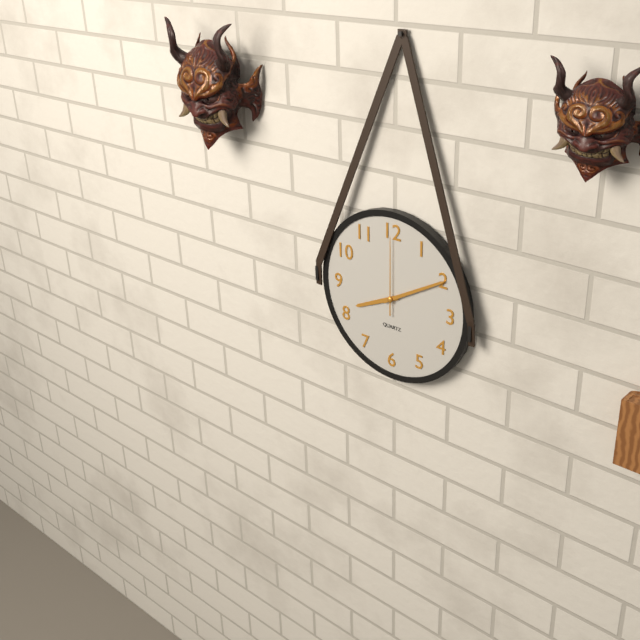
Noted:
8:10:00
